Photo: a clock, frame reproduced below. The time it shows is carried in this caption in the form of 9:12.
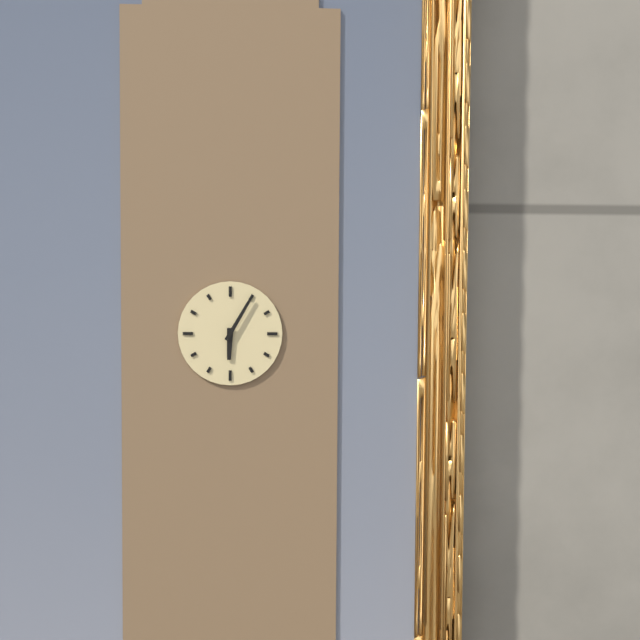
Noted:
6:05
